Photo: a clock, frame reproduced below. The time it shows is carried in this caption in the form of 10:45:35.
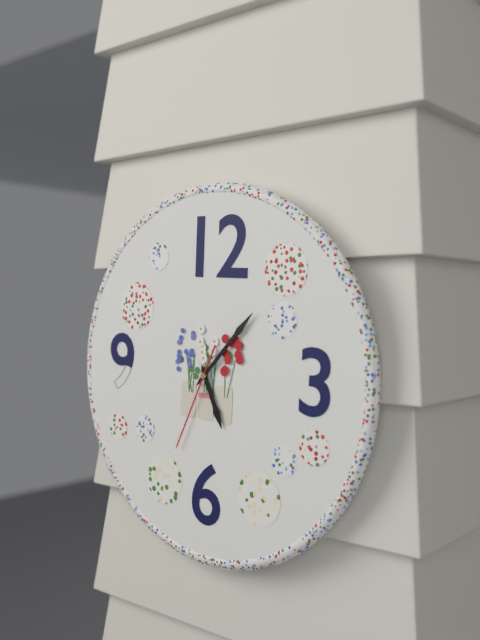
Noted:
5:07:34
